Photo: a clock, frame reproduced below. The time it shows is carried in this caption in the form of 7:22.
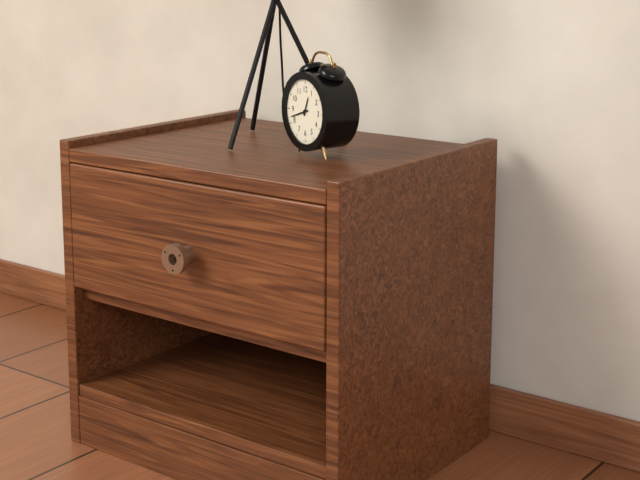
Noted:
12:42
